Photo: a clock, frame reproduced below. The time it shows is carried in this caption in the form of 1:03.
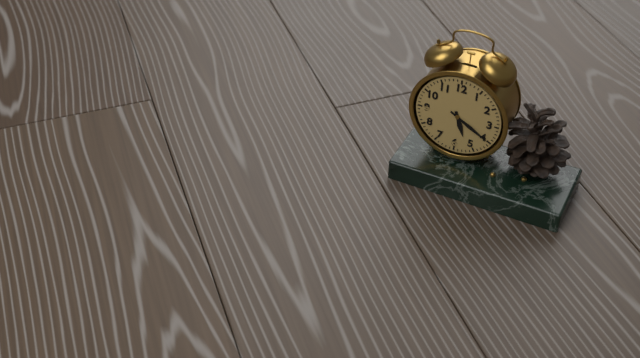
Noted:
5:20
